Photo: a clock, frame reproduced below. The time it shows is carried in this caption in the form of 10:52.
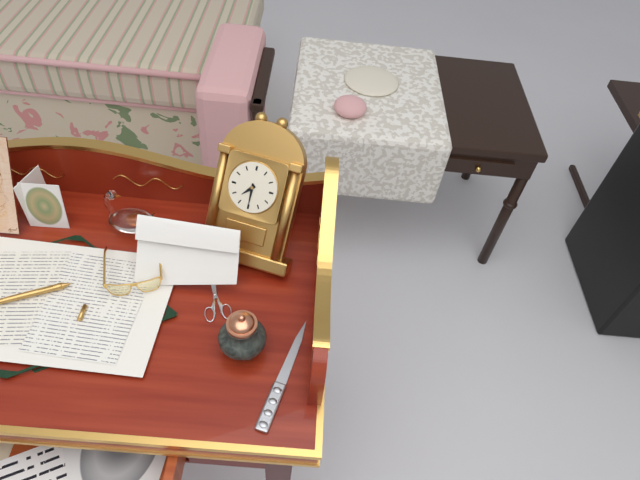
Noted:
7:30
